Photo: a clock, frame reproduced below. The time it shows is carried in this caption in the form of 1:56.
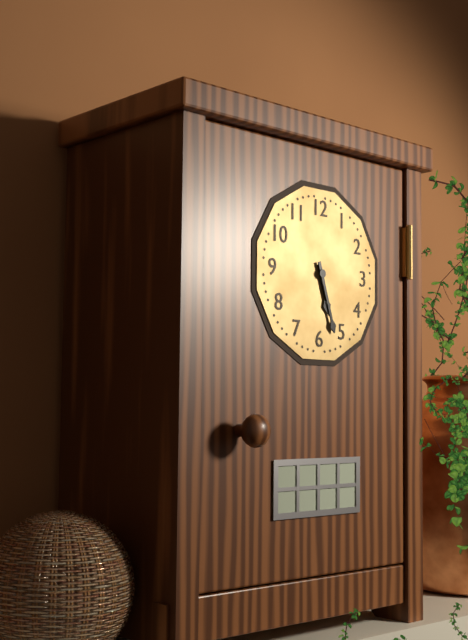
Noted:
5:27
